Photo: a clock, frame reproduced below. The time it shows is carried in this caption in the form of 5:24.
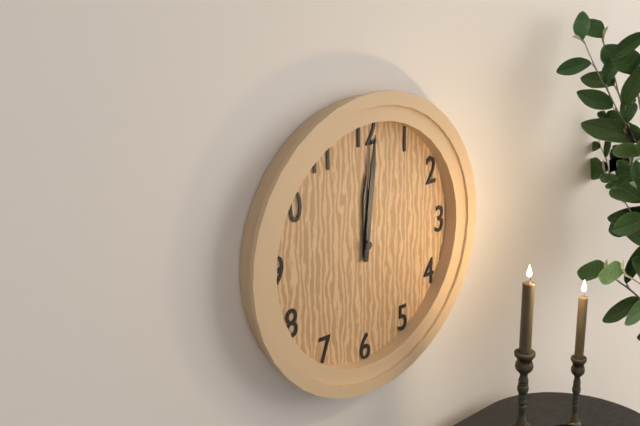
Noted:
12:01
